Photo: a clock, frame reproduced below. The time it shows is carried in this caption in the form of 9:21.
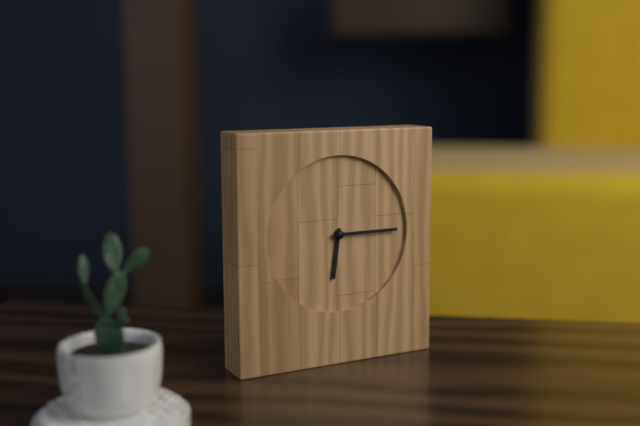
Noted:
6:15
